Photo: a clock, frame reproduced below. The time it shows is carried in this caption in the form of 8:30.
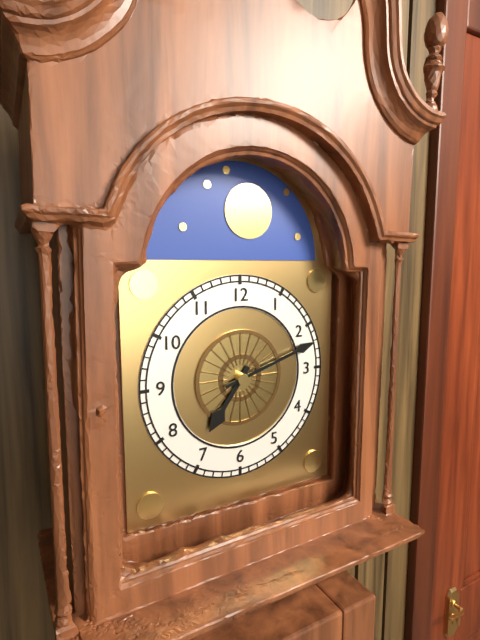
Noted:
7:12
